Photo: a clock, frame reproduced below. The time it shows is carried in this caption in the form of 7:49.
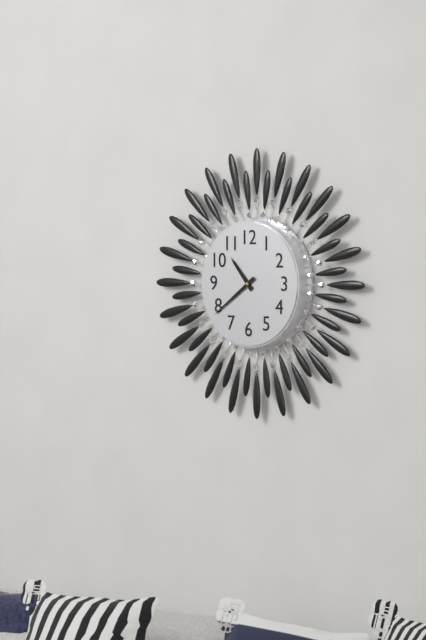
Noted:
10:39
